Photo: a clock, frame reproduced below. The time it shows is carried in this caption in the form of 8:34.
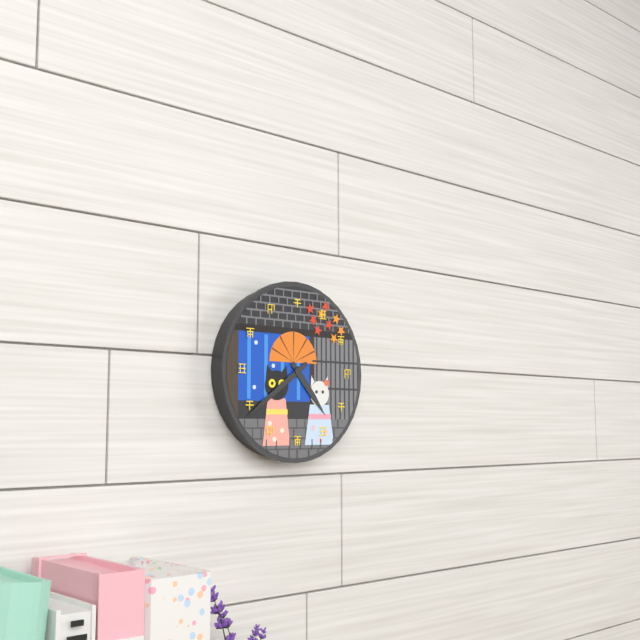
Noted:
4:39
